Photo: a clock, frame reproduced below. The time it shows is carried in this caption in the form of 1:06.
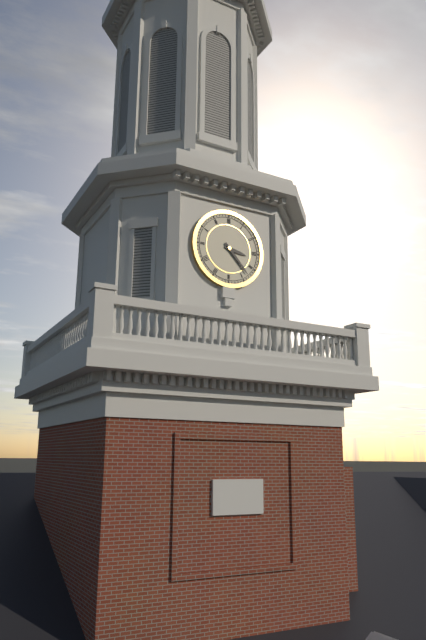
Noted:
3:23
